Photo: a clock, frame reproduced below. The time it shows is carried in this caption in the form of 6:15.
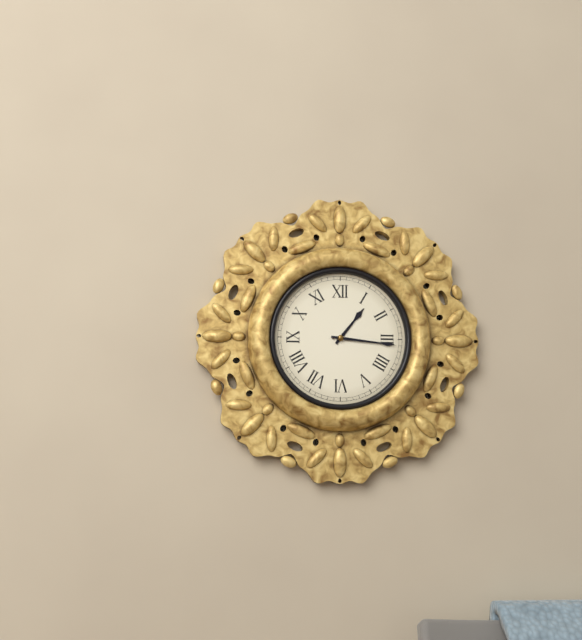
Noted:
1:16
